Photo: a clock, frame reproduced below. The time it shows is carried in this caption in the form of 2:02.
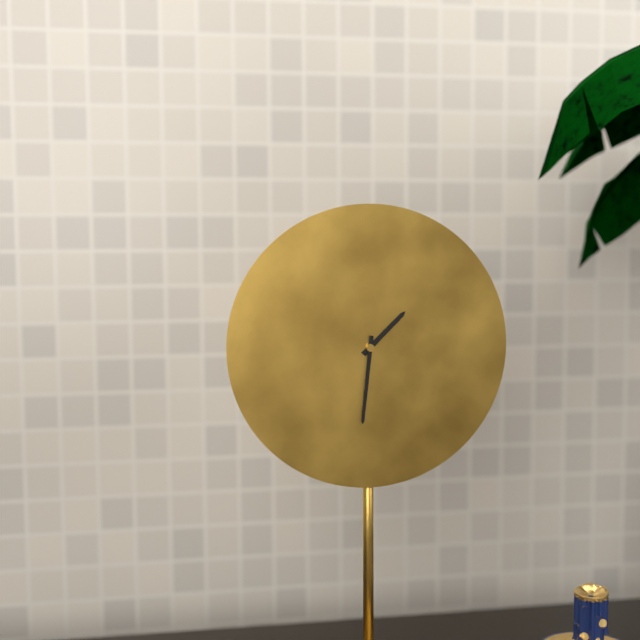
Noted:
1:31
